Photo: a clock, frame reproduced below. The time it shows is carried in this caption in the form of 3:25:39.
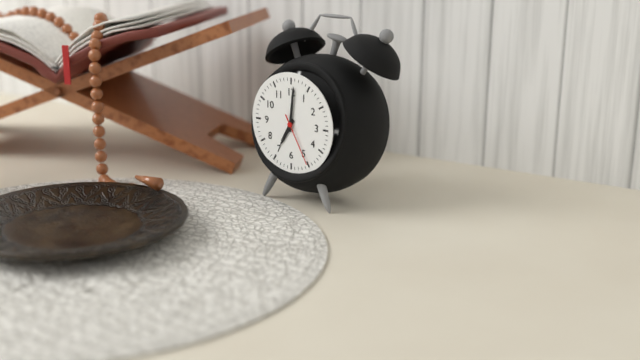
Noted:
7:01:25
